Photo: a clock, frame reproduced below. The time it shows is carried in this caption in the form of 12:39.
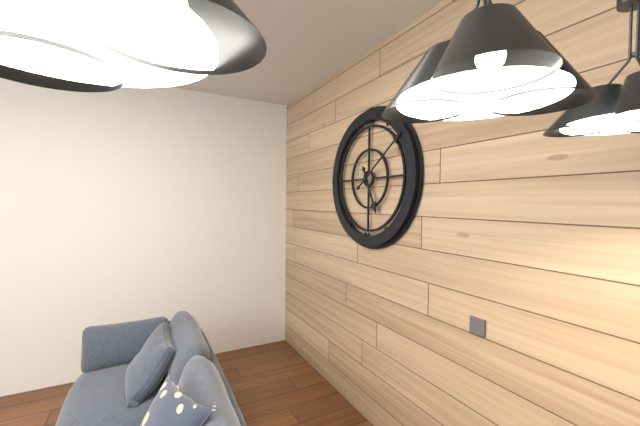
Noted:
5:09
